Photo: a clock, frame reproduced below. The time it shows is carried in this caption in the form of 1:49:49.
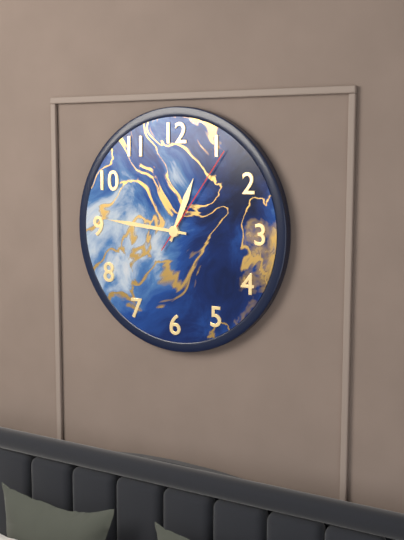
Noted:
12:46:06
